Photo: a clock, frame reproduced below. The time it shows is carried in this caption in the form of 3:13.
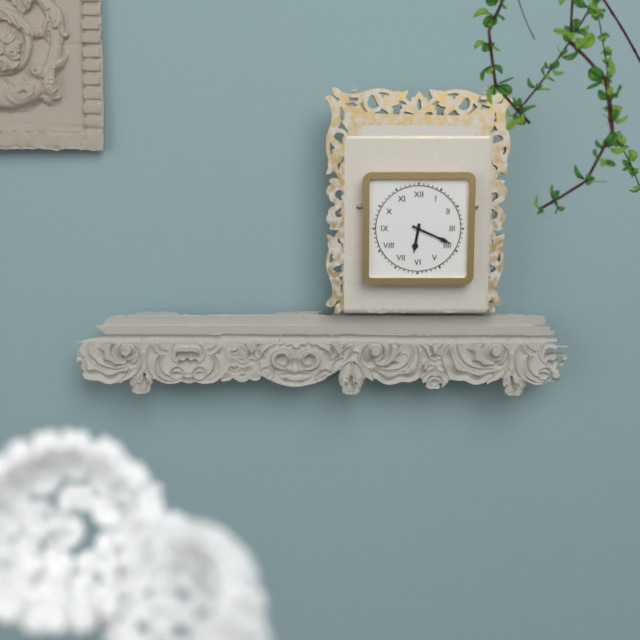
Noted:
6:19
